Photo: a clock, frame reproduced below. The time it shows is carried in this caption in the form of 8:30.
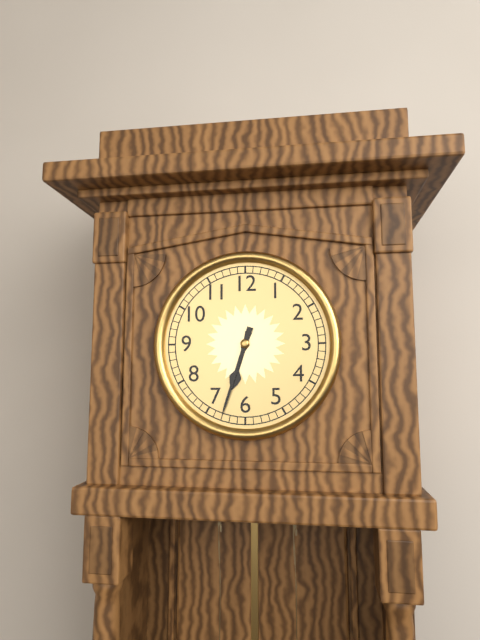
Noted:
6:33
